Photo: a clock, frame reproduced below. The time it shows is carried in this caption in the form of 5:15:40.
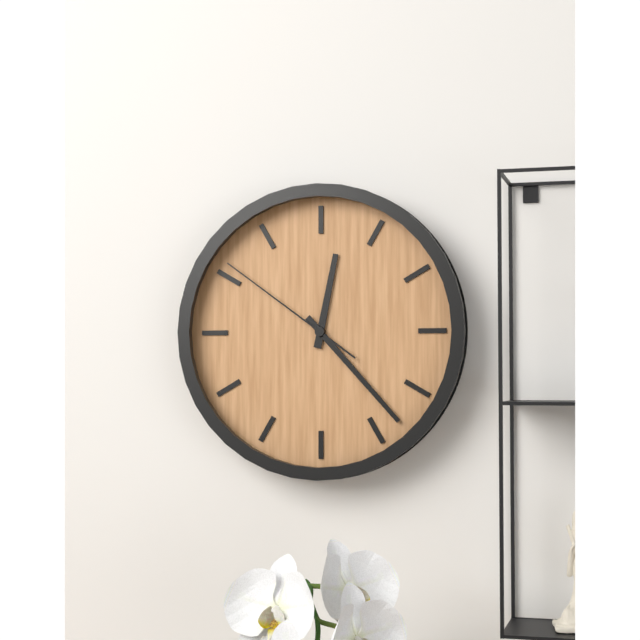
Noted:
12:23:51
